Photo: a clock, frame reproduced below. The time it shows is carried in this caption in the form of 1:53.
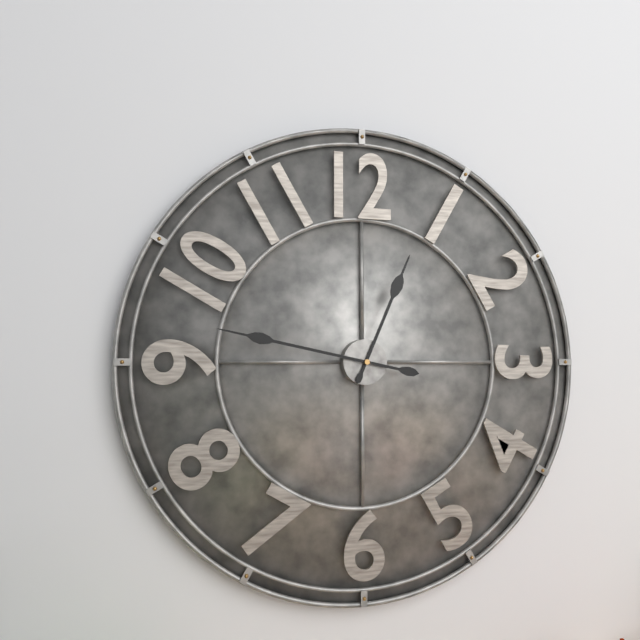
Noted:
12:47
